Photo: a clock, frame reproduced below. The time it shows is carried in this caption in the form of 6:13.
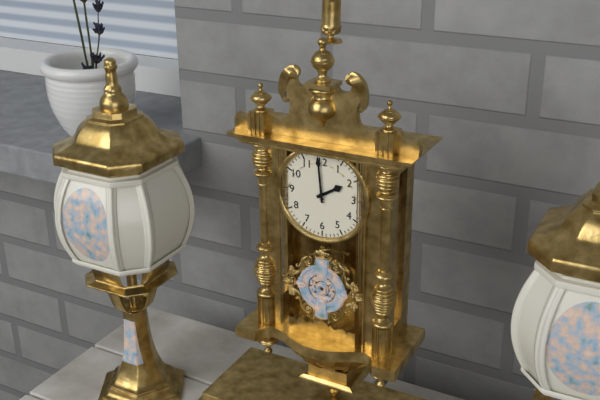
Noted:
1:59
